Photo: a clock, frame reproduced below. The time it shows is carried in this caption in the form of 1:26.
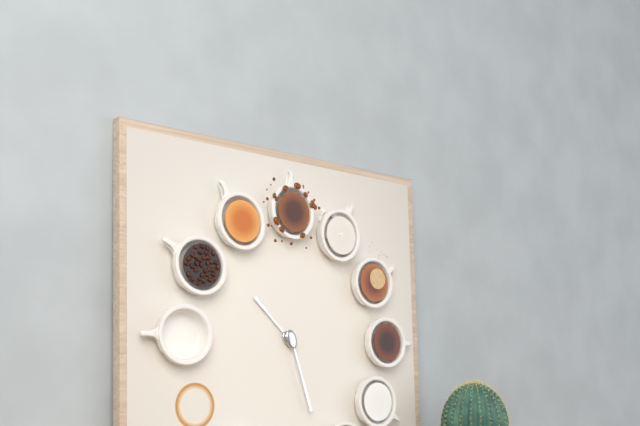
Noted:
10:27
